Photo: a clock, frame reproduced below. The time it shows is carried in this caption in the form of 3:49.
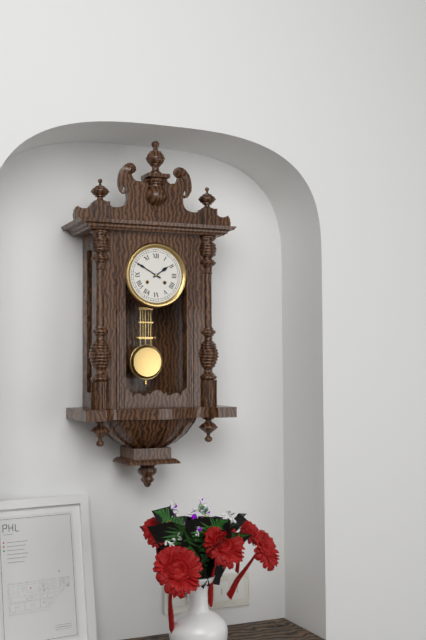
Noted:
1:50
